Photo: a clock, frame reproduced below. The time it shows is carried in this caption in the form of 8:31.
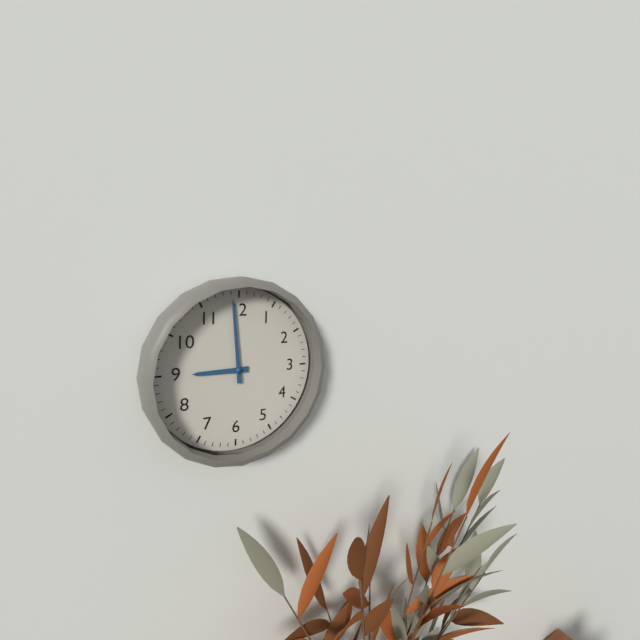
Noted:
8:59
